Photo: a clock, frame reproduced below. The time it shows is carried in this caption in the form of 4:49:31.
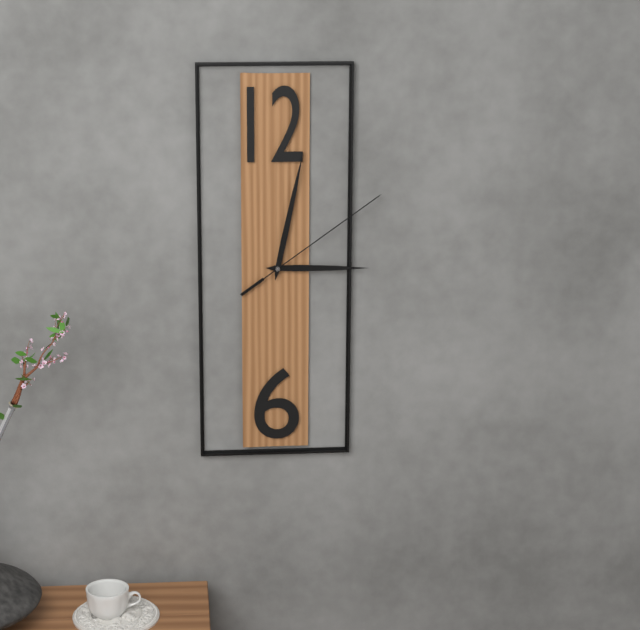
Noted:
3:02:09
